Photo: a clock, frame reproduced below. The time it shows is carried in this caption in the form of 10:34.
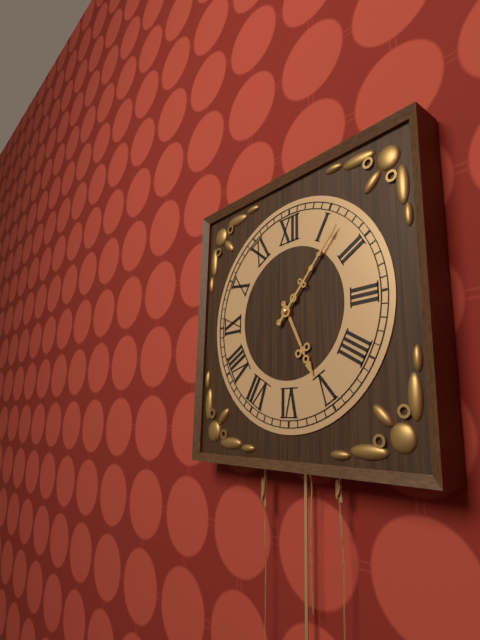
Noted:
5:07
